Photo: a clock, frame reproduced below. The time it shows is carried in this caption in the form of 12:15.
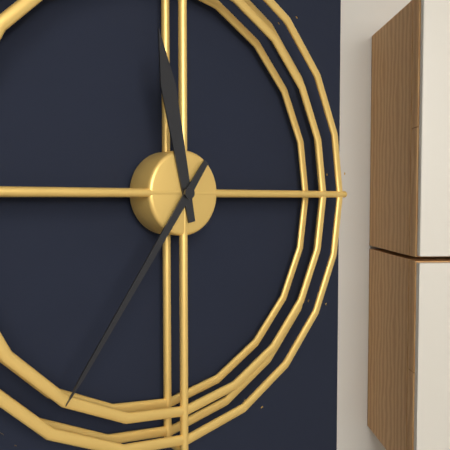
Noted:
11:36
